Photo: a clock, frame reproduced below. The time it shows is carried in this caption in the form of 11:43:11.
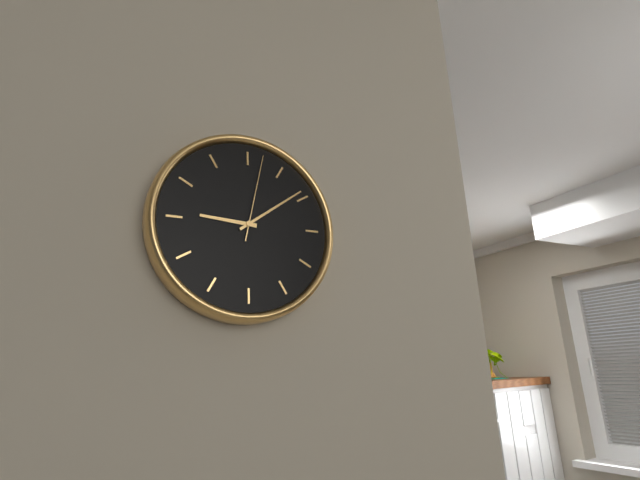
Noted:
9:09:02
